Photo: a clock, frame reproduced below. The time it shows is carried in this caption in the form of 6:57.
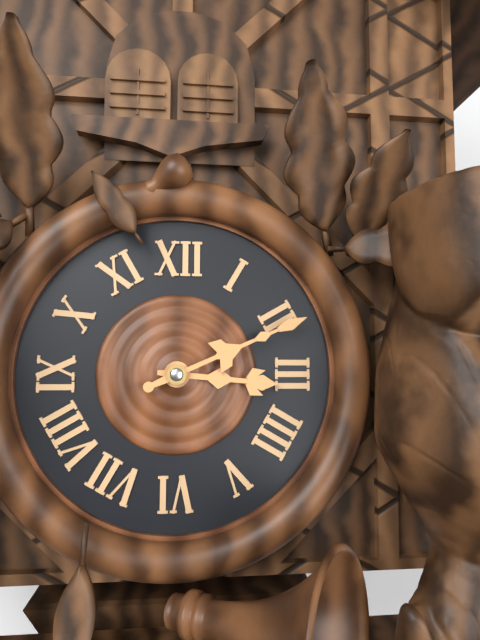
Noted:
3:11
